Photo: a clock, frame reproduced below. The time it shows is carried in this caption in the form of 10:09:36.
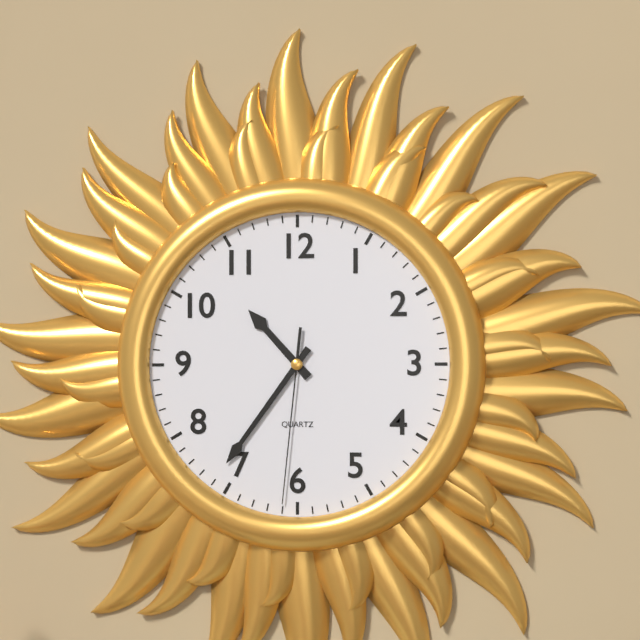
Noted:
10:36:31
